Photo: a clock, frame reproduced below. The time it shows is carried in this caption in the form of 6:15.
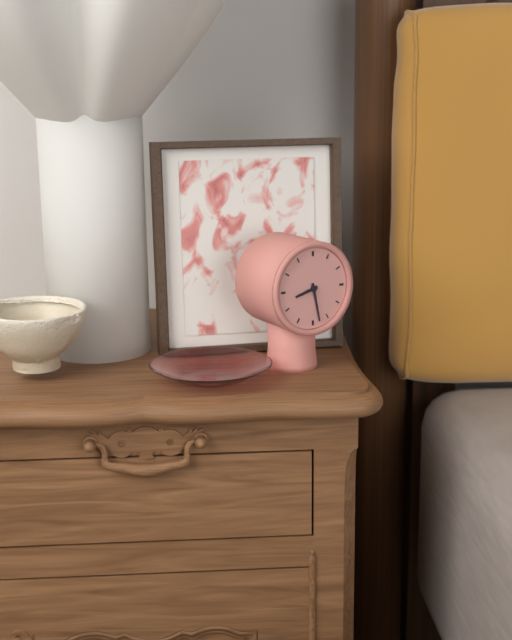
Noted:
8:28
